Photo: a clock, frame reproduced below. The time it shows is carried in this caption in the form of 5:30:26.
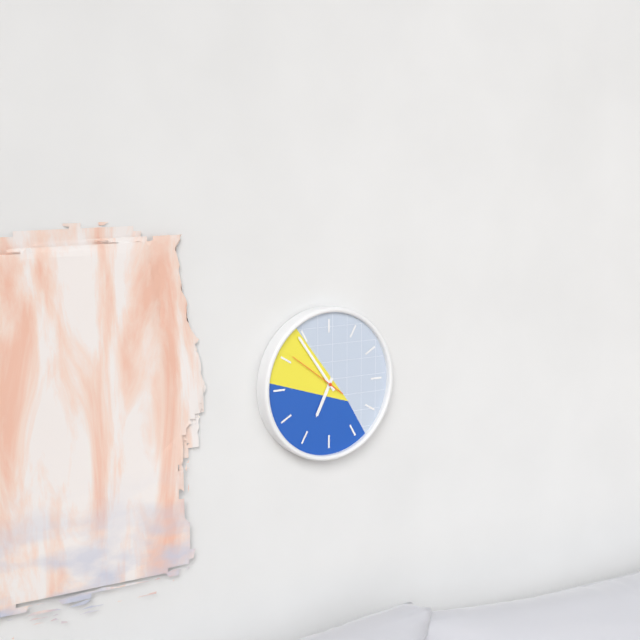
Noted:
6:54:51
